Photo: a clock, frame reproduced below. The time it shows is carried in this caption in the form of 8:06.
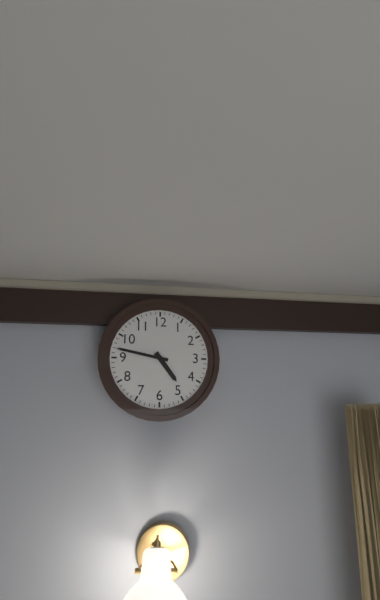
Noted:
4:47
